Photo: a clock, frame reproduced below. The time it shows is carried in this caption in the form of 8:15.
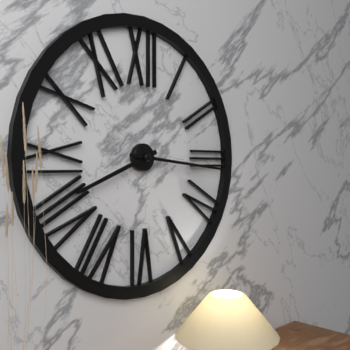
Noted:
8:16
